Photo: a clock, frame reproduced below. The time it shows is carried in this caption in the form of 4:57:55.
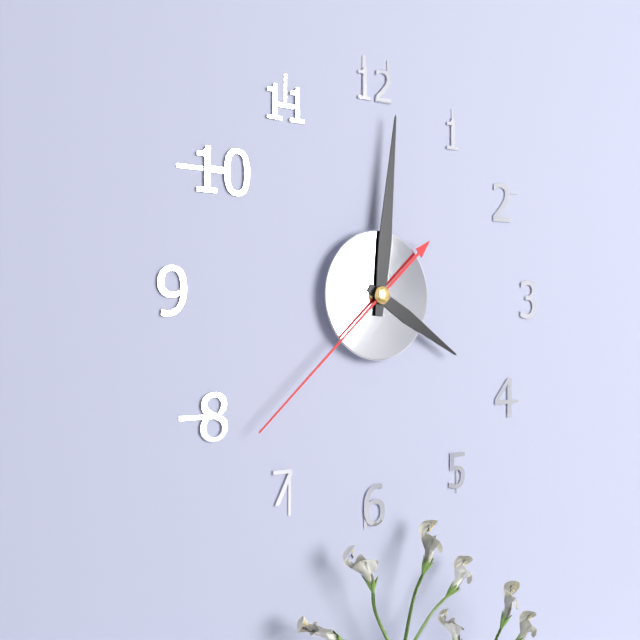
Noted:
4:01:38
